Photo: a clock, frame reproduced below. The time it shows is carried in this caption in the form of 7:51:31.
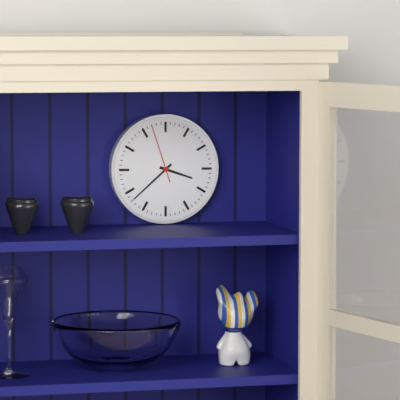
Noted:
3:38:57
